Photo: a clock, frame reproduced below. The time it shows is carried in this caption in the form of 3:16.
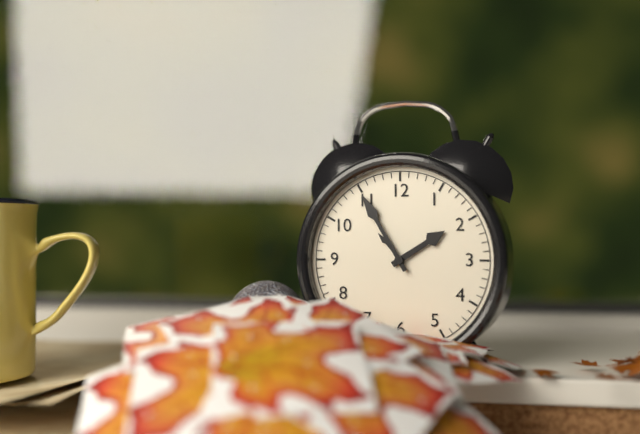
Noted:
1:55
